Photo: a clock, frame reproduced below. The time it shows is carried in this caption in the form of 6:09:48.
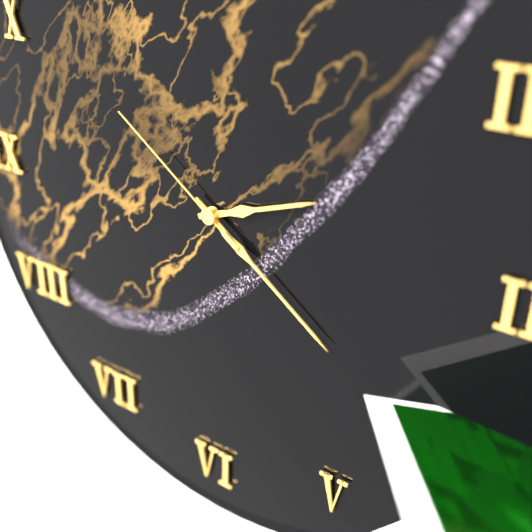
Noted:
2:21:51
